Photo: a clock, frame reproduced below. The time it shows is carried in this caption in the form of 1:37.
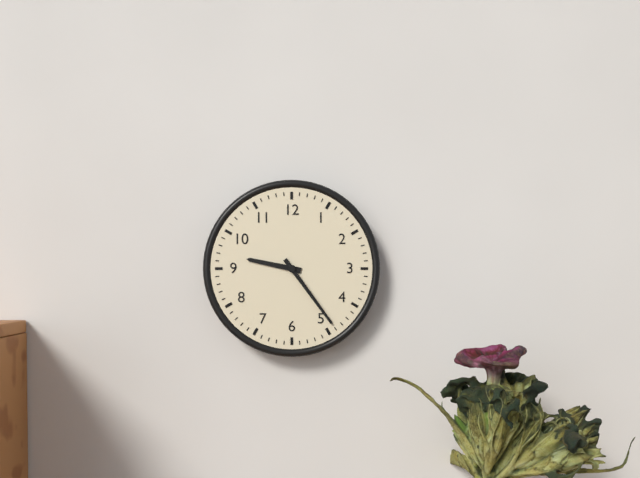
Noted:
9:24
